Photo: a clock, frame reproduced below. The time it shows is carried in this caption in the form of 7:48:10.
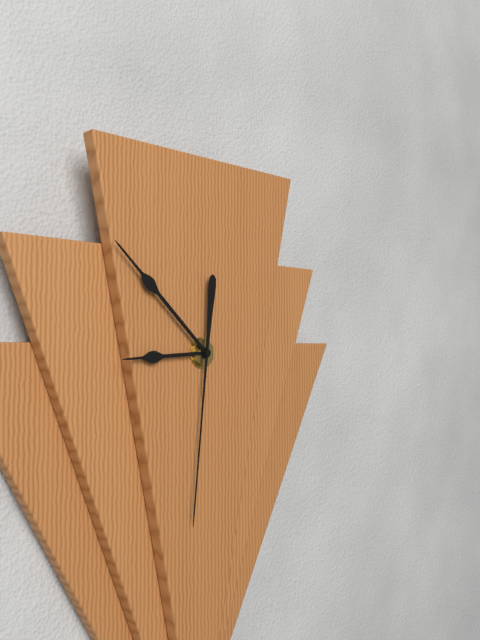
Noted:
8:52:31
